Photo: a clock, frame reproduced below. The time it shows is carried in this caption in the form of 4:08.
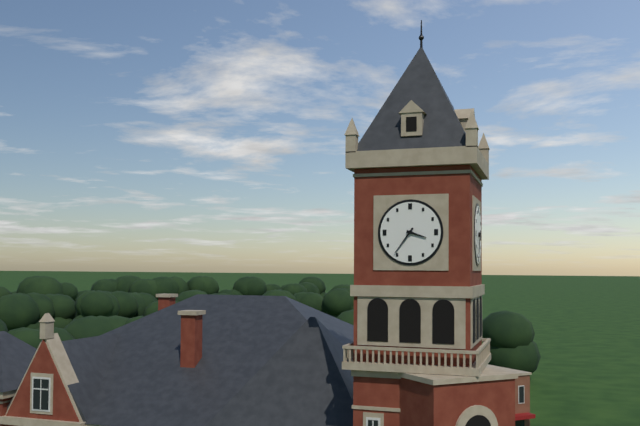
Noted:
3:36
